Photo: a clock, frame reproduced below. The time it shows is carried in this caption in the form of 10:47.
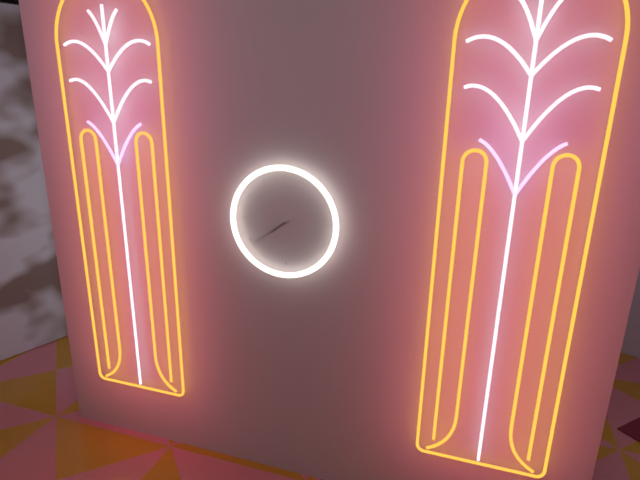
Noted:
7:39
